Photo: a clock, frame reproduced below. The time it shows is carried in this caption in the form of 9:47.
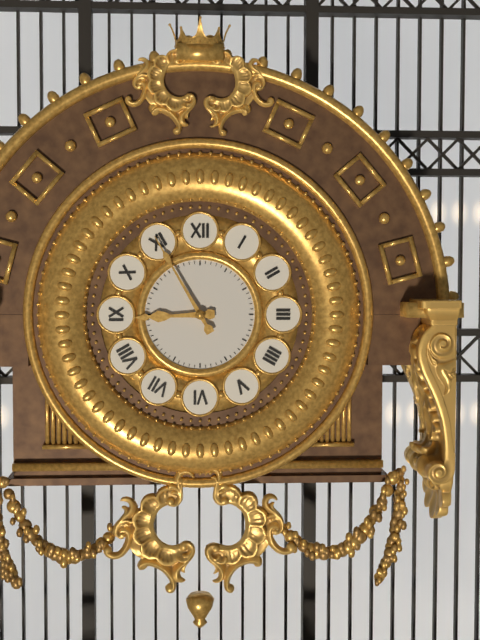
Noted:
8:55
